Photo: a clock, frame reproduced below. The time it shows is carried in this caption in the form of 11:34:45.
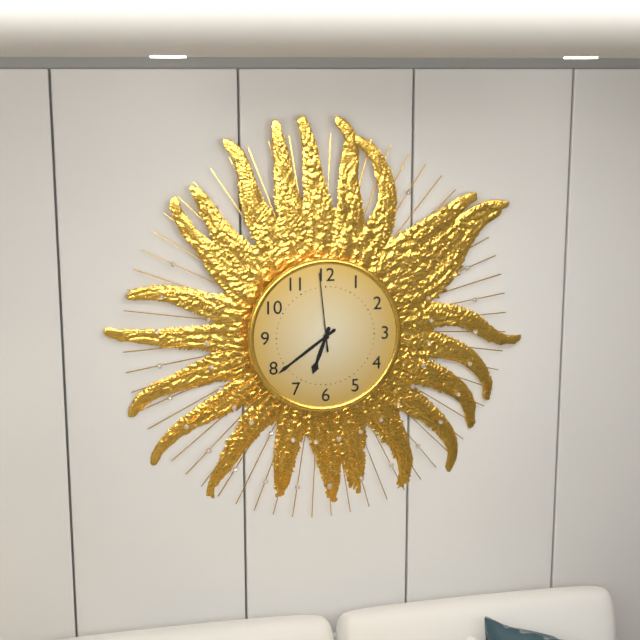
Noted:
6:39:59
